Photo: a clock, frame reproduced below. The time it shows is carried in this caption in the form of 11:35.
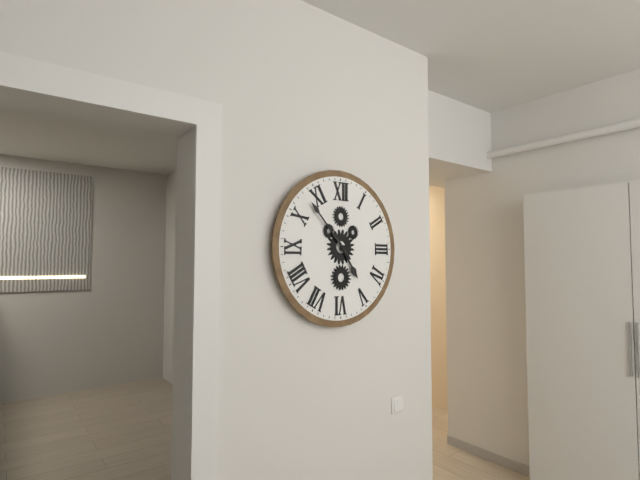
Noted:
4:53
